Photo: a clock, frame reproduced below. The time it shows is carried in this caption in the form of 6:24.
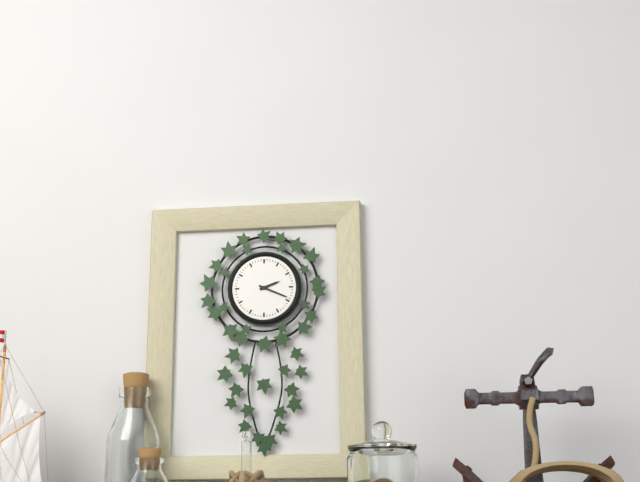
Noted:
2:19
